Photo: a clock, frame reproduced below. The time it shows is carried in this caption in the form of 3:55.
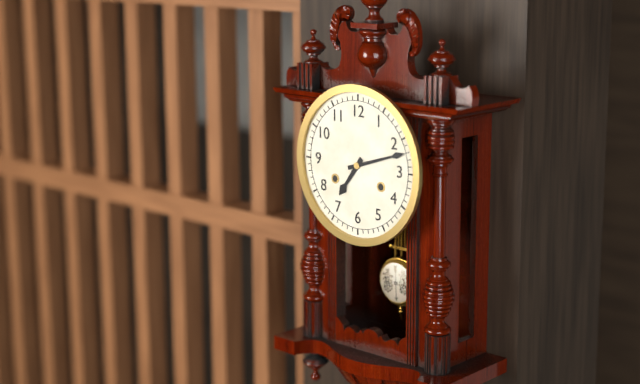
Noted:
7:12
